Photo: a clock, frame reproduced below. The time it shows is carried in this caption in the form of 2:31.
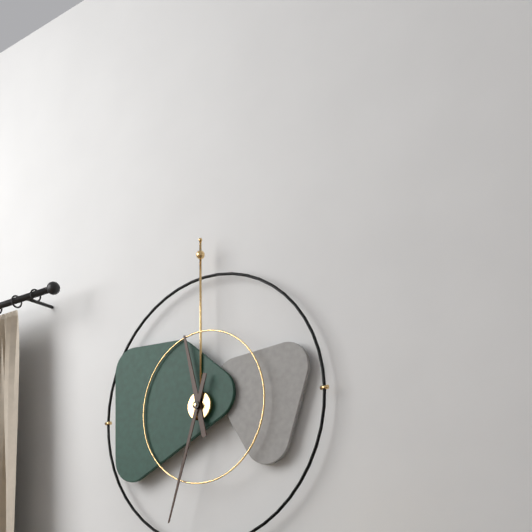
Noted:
11:33
